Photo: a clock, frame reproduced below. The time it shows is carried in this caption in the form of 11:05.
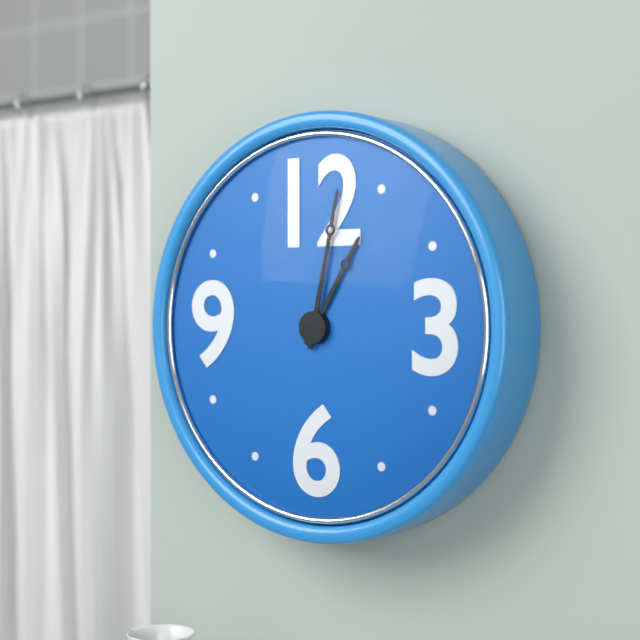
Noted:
1:02
